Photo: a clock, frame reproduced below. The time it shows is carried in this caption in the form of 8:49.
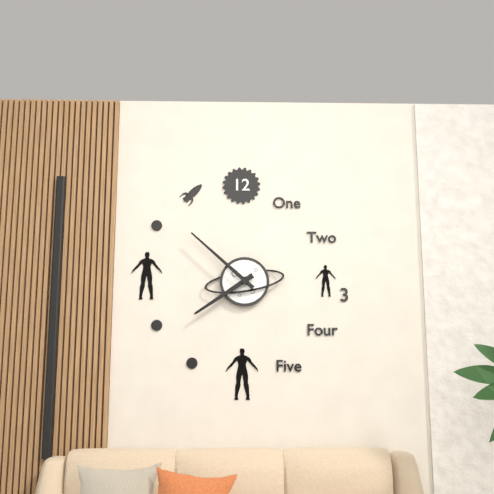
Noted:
7:52
